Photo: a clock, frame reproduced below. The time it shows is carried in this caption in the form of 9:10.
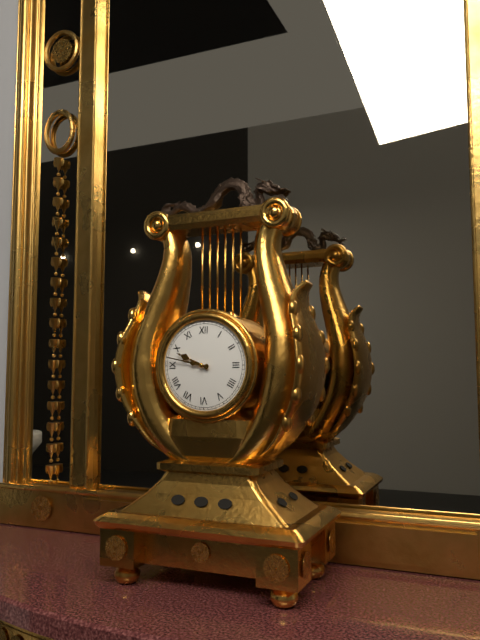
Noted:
9:47
